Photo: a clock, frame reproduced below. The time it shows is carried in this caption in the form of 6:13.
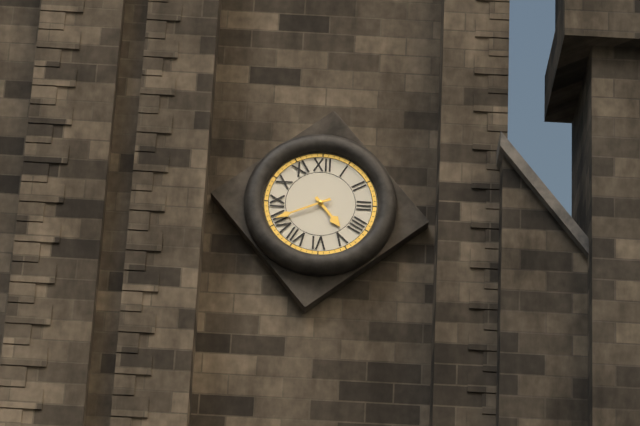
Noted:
4:41
